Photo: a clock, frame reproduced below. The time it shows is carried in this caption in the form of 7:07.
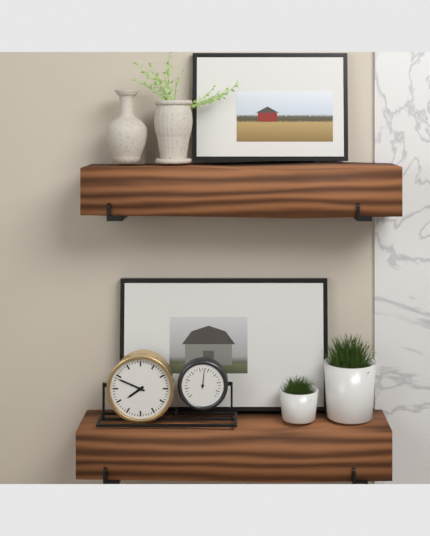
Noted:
7:49
